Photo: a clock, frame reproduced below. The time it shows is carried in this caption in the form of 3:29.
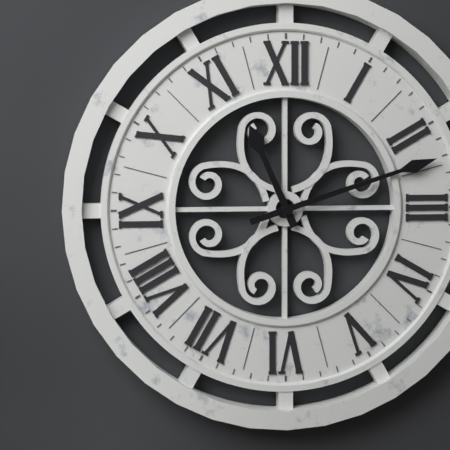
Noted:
11:12
